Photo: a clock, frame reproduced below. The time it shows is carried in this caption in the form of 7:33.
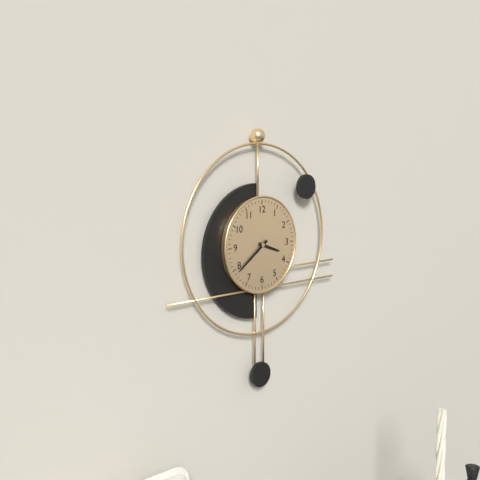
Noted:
3:39
